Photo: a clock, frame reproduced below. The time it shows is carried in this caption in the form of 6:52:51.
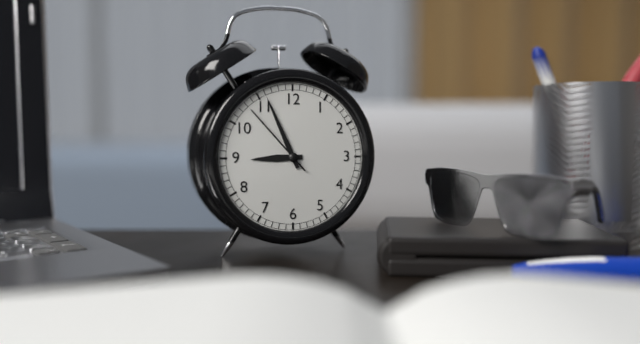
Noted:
8:56:53
